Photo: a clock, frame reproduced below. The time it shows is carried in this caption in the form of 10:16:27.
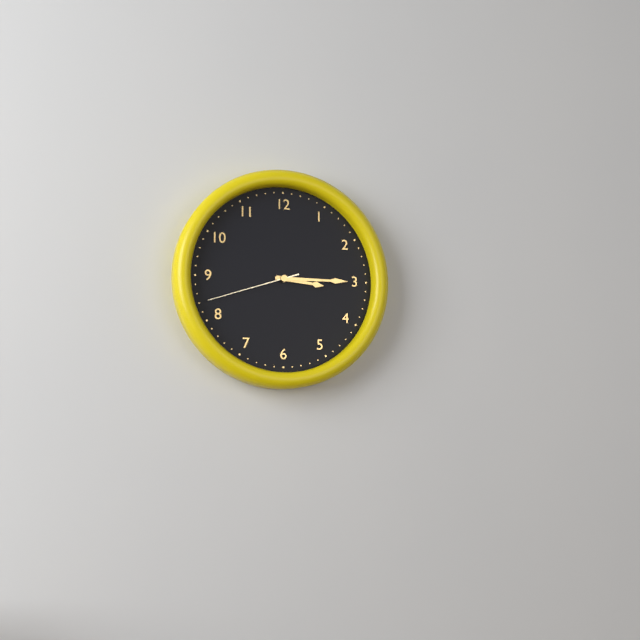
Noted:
3:15:42
